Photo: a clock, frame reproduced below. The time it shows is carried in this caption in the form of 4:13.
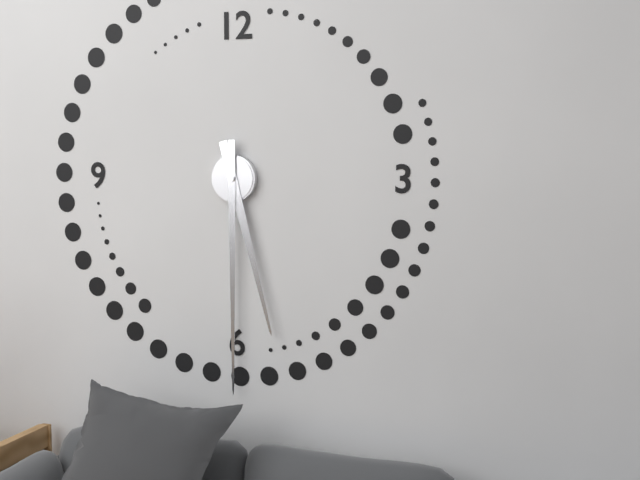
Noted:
5:30
